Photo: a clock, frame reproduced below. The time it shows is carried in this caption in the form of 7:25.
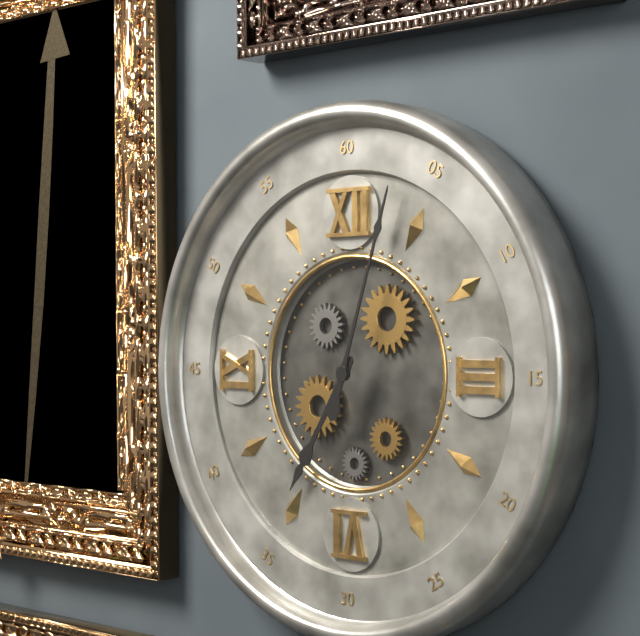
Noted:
7:03
